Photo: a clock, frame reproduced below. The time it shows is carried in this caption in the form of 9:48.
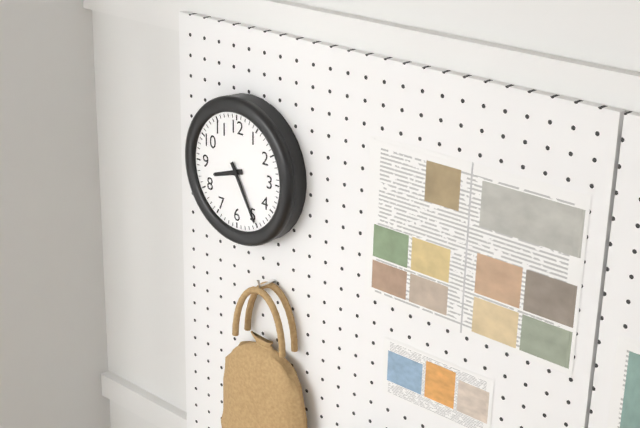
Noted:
8:25
